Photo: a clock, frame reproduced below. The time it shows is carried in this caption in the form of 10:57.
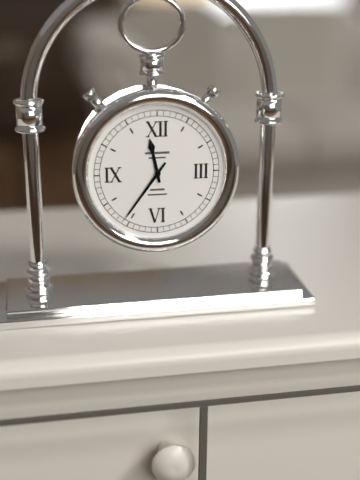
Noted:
11:36
